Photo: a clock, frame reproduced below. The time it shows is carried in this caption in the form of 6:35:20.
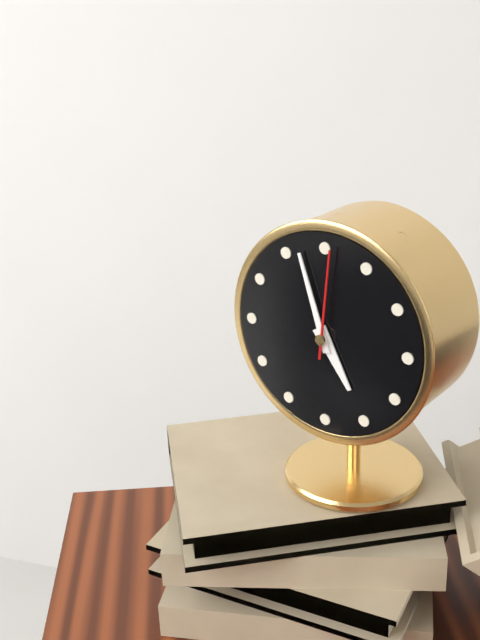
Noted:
4:57:01
